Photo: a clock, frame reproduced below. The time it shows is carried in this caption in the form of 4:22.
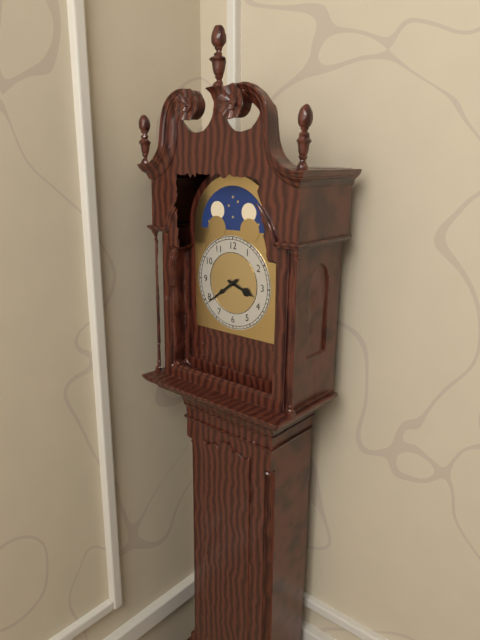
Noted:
3:39
